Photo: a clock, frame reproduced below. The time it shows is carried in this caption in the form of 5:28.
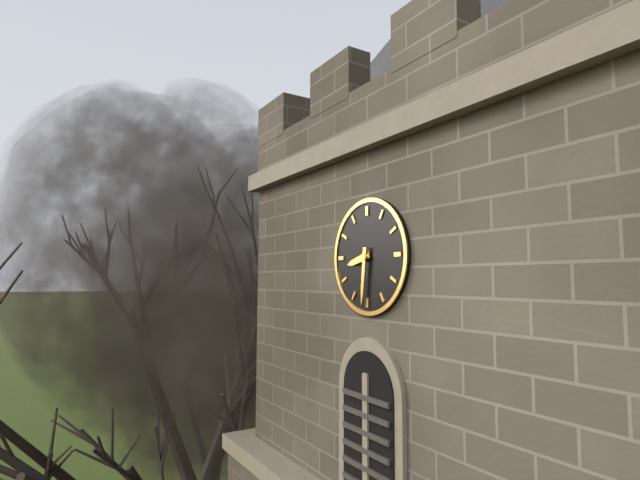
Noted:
8:31
